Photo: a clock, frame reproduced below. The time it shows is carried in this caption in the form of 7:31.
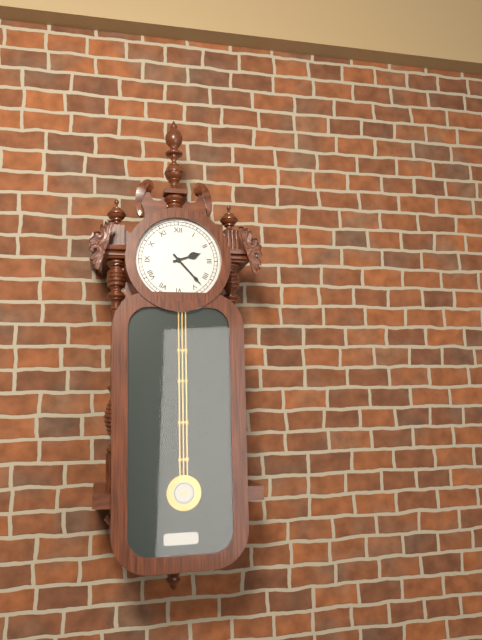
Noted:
2:23
